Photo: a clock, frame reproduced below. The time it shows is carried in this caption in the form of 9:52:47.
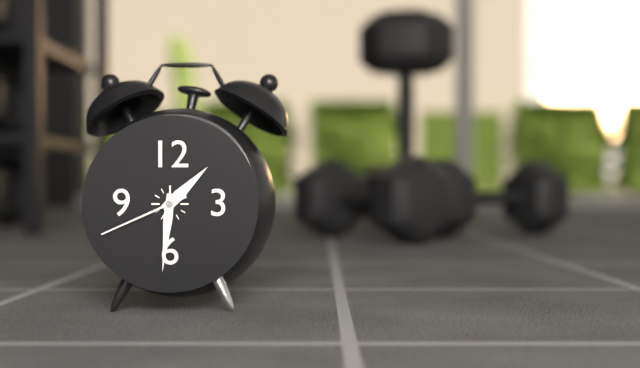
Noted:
1:31:41
